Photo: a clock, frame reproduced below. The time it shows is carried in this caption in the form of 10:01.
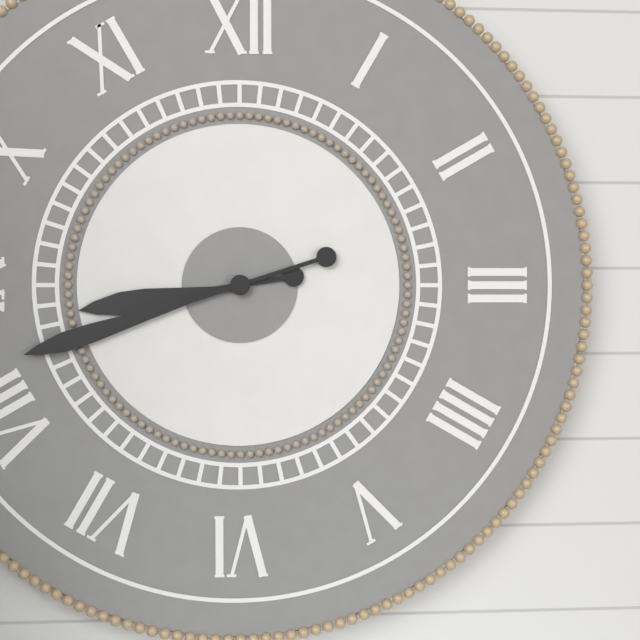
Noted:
8:42
